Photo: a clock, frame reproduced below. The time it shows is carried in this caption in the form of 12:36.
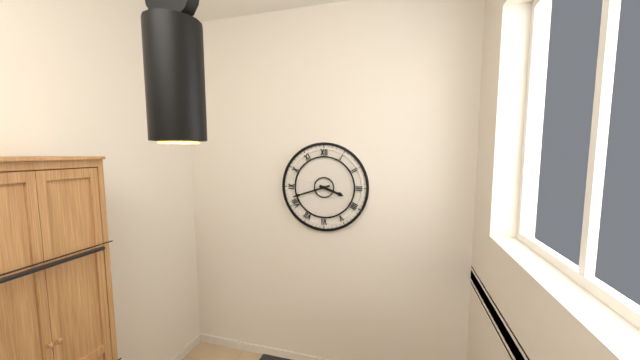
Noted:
3:42
